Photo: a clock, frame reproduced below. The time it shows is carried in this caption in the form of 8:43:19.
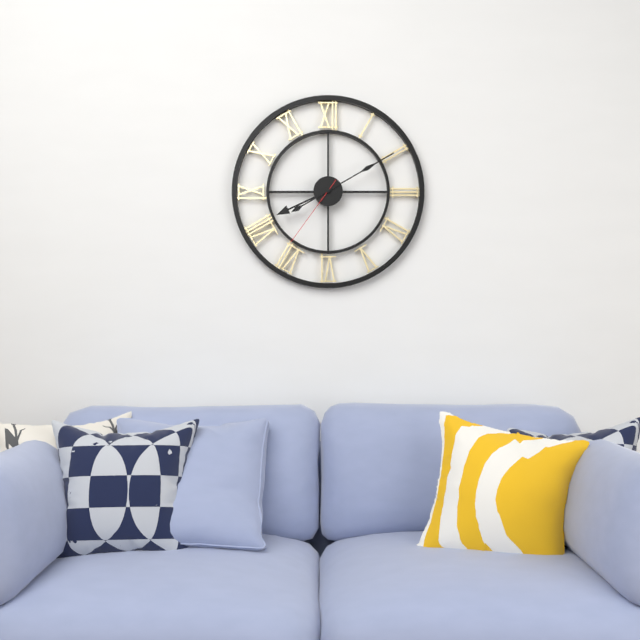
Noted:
8:10:36
